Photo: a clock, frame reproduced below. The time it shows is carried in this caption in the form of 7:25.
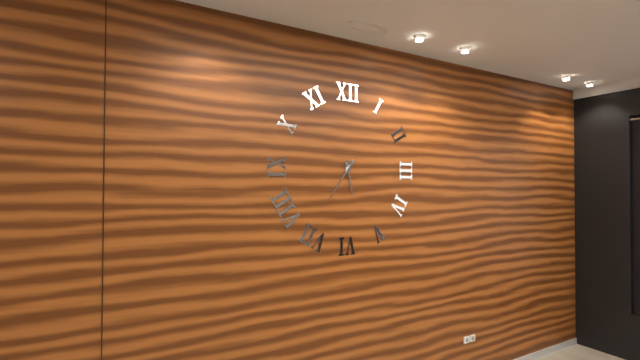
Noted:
5:36
